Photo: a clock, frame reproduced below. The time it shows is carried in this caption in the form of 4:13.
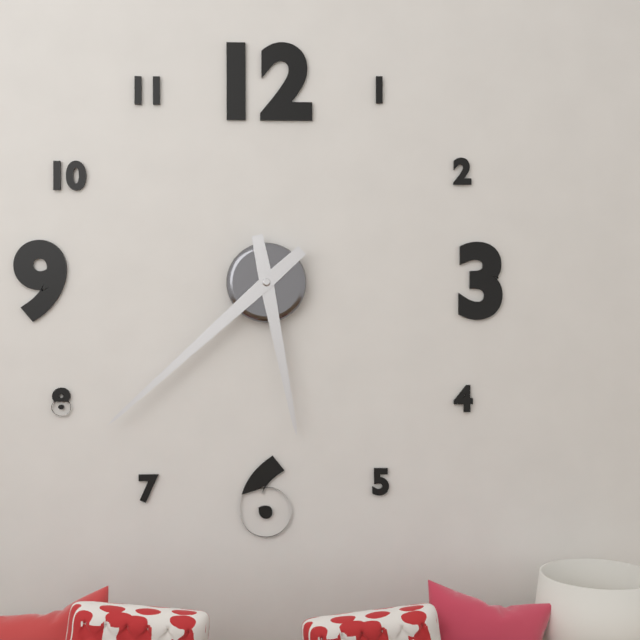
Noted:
5:38
